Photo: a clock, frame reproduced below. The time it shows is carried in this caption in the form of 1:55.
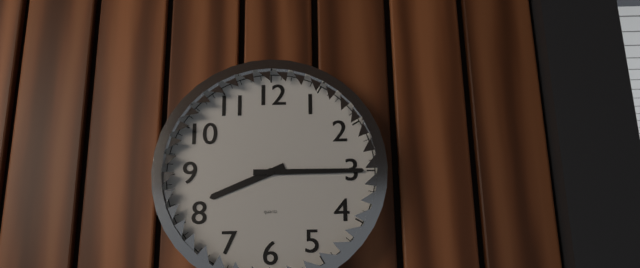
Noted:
8:15
